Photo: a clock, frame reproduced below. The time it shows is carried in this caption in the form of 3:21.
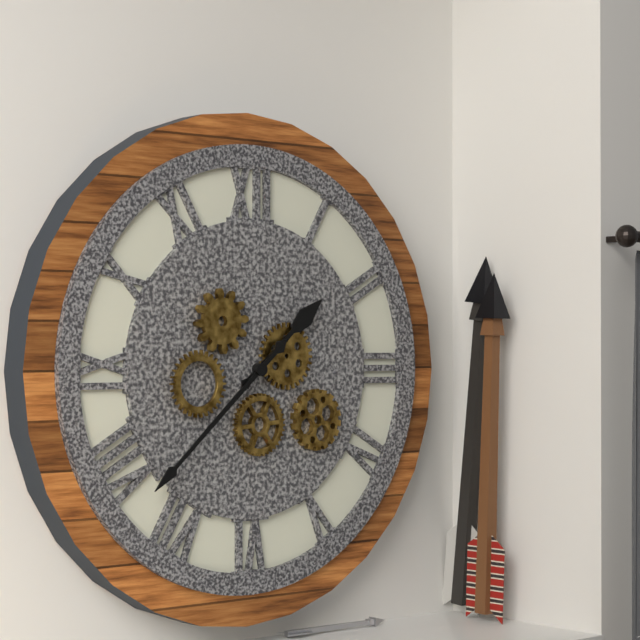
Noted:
1:38
